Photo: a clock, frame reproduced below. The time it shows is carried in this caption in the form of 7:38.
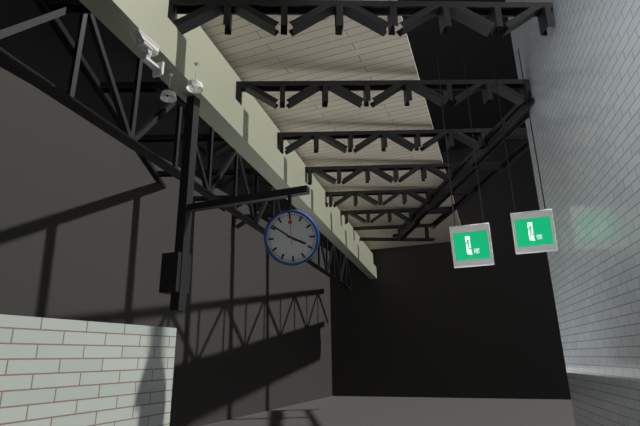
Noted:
3:51
